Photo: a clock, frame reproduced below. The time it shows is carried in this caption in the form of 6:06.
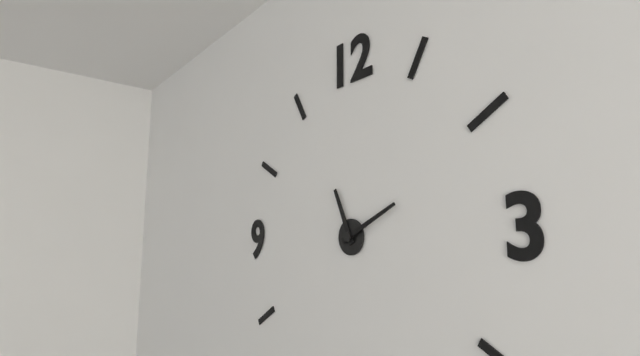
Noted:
11:11
